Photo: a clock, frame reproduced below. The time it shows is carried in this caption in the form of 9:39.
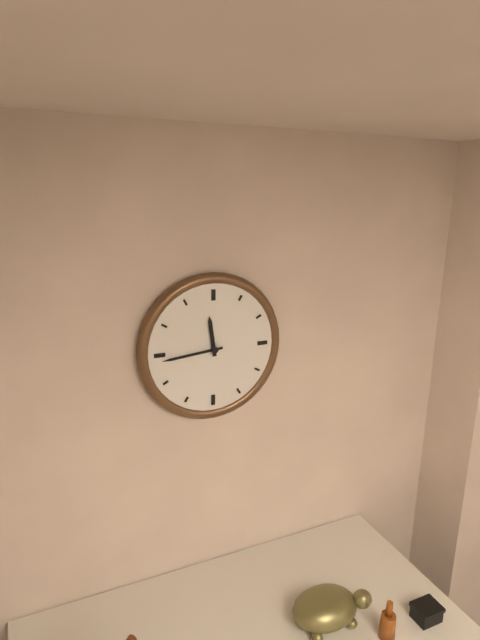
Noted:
11:44
